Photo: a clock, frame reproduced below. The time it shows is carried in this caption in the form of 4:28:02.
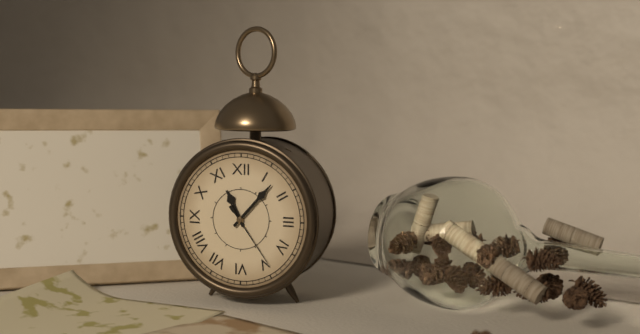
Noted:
11:07:24
